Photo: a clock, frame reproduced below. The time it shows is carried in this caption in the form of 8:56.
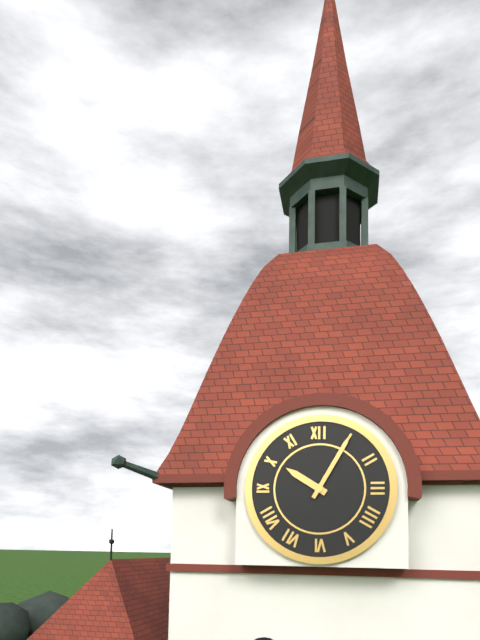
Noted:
10:05
